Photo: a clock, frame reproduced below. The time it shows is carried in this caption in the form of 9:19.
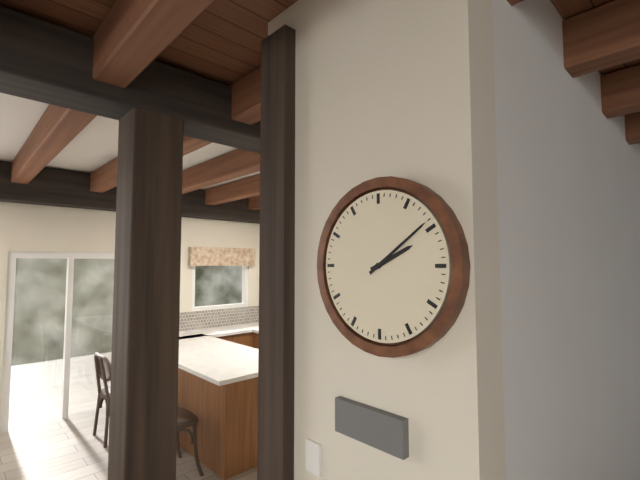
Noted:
2:09
